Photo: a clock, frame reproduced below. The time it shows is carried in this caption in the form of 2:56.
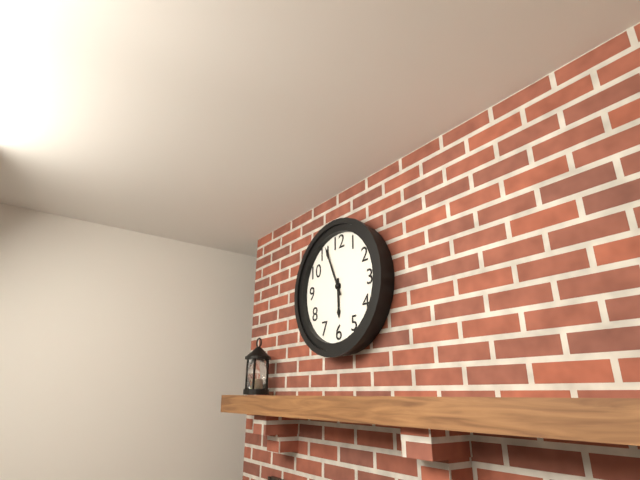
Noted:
5:56
